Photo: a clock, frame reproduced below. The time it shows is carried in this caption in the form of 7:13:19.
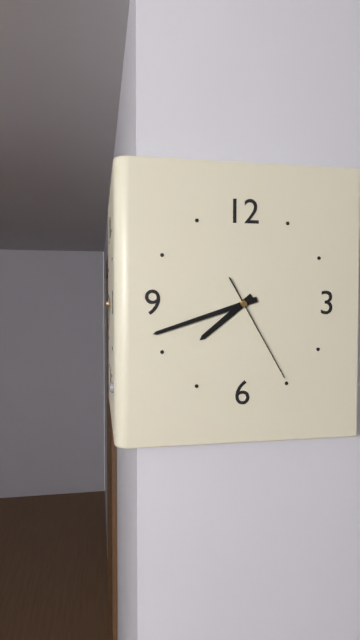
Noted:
7:42:25
